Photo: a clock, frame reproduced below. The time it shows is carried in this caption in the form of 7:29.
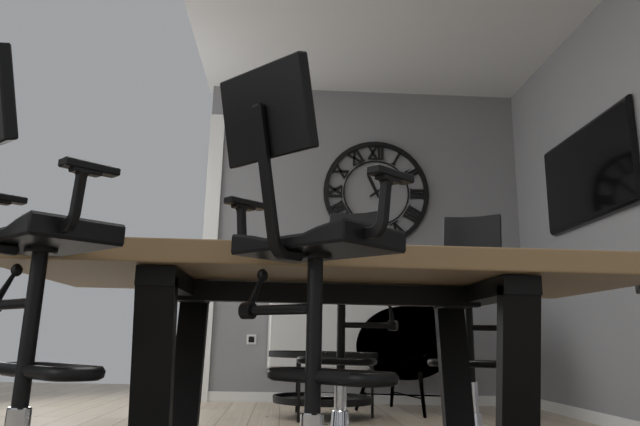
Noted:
11:09
